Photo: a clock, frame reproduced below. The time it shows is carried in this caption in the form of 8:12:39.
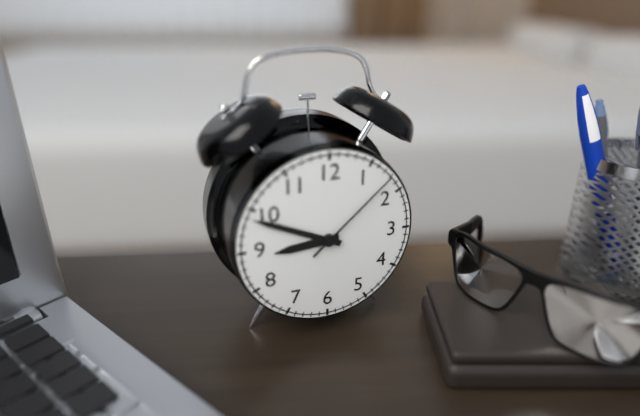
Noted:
8:49:08
